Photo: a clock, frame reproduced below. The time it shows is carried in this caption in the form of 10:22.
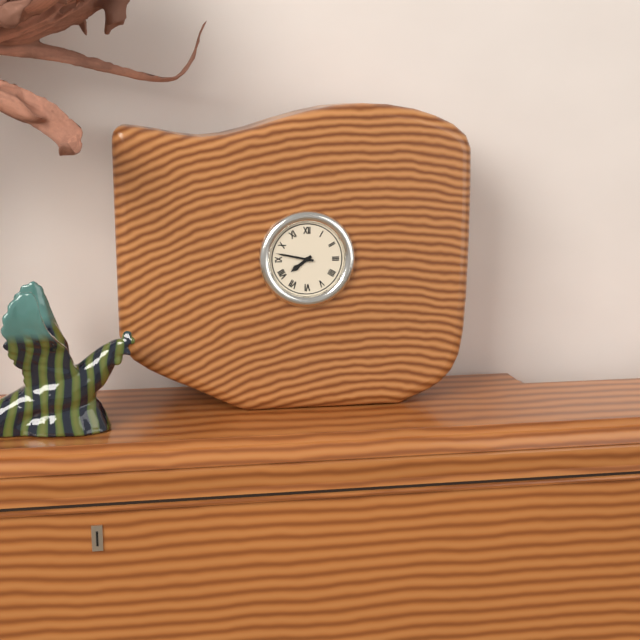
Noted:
7:47
